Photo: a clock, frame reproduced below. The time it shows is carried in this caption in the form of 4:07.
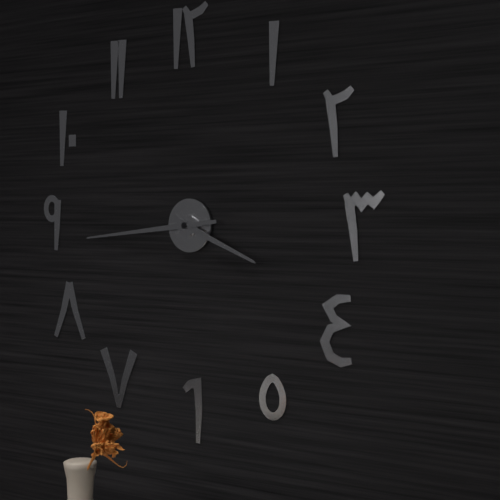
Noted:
3:44
